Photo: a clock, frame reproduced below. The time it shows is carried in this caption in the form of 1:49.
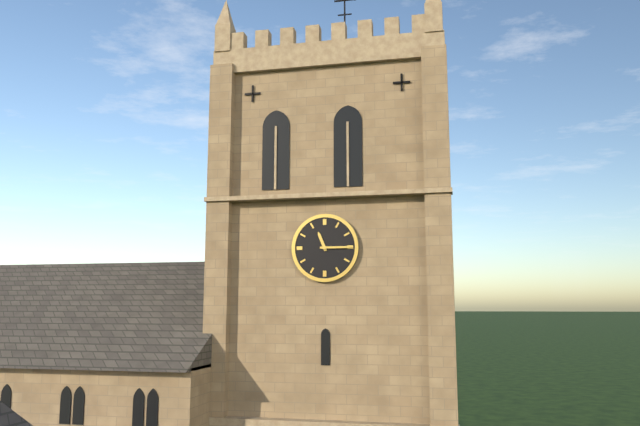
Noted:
11:15
